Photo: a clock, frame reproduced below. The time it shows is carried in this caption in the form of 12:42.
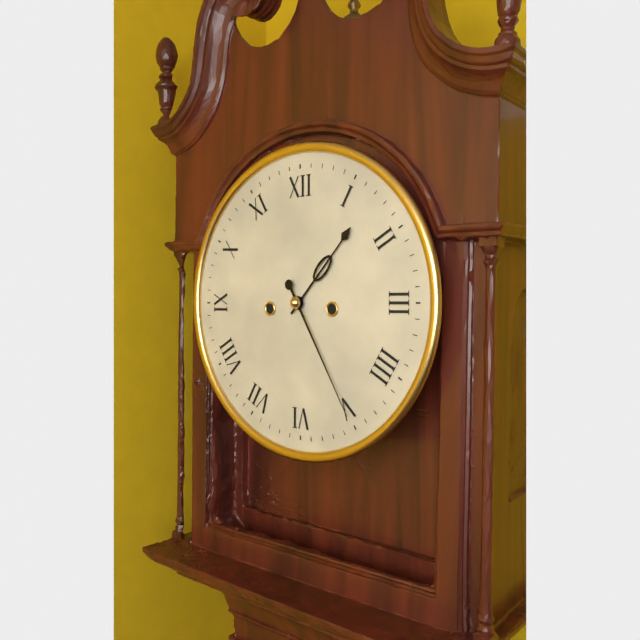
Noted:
1:25
